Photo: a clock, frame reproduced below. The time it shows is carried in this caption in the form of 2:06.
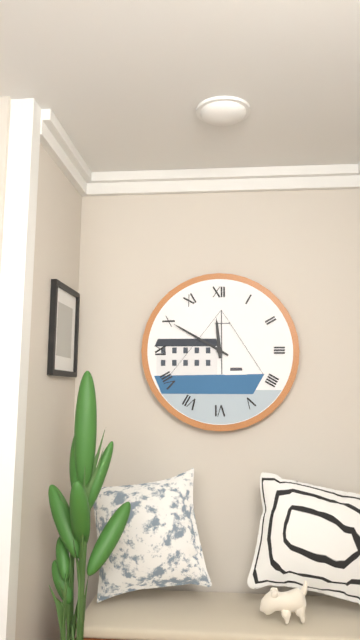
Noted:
11:50
